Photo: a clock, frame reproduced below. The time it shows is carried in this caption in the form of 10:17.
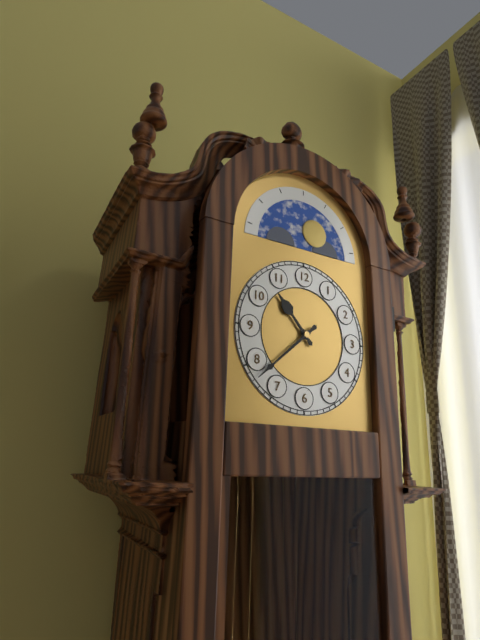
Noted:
10:38
